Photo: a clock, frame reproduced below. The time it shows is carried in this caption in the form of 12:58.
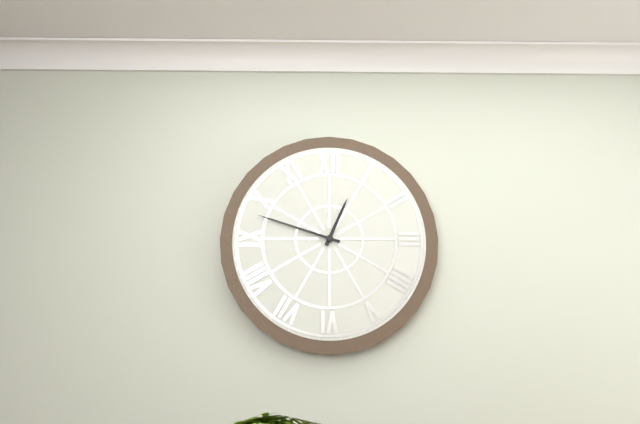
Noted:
12:48
